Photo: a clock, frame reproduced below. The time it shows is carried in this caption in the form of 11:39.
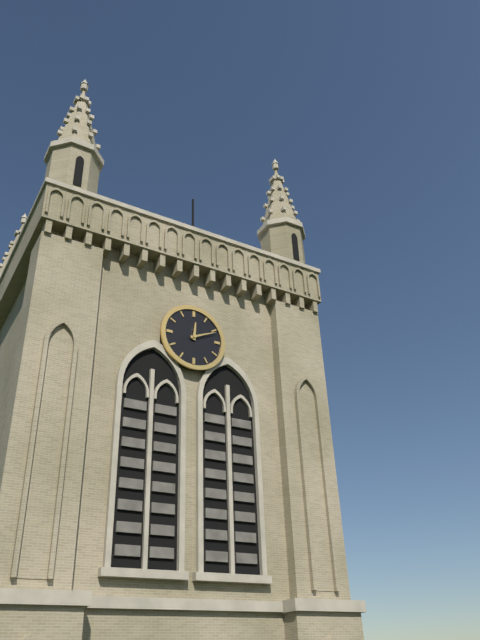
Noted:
12:11
